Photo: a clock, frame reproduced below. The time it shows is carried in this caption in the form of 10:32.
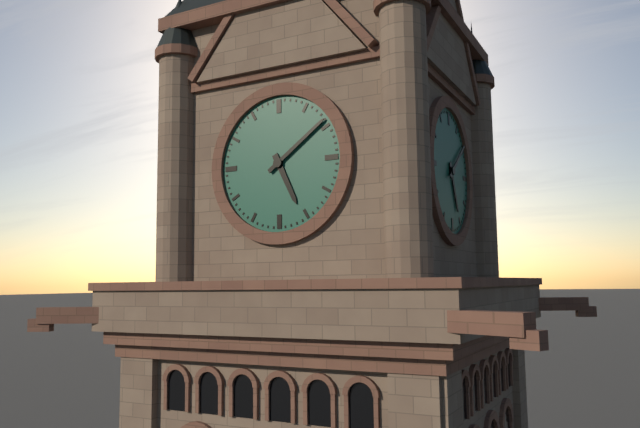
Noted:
5:09
